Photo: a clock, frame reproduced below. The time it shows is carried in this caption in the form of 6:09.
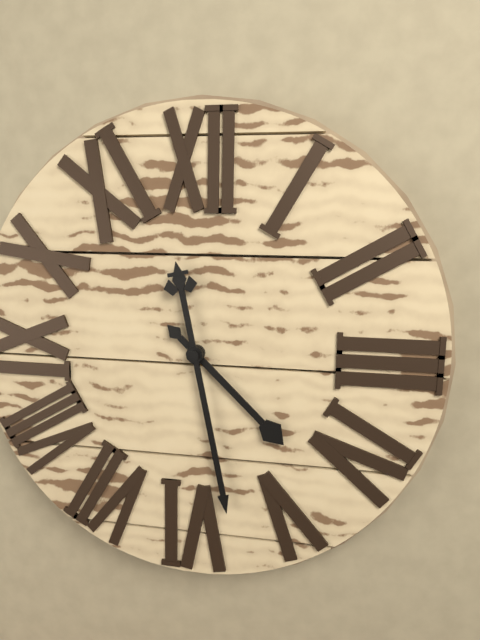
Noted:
4:28
